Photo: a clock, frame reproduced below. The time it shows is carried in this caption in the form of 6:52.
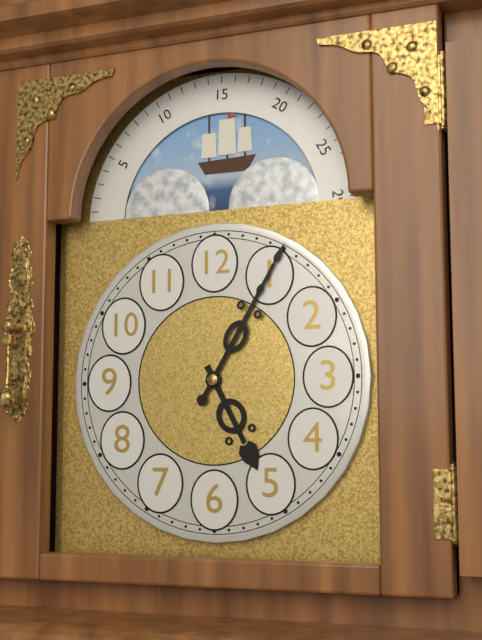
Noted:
5:05
